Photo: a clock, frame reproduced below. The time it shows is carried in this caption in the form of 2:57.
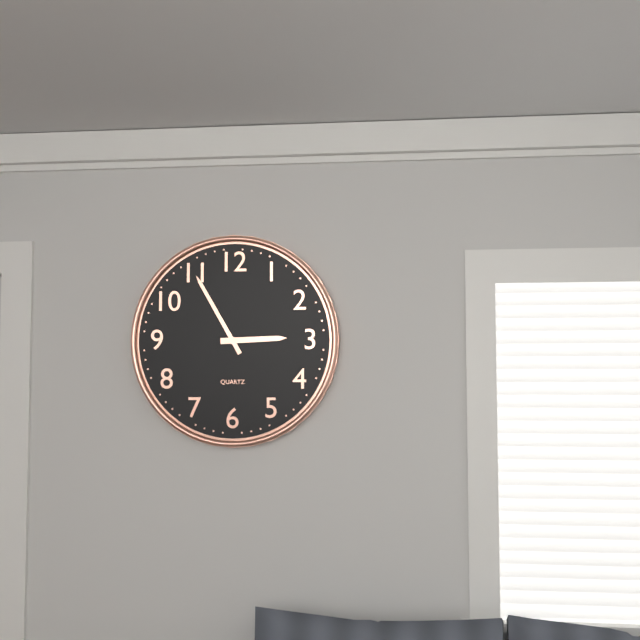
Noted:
2:55
